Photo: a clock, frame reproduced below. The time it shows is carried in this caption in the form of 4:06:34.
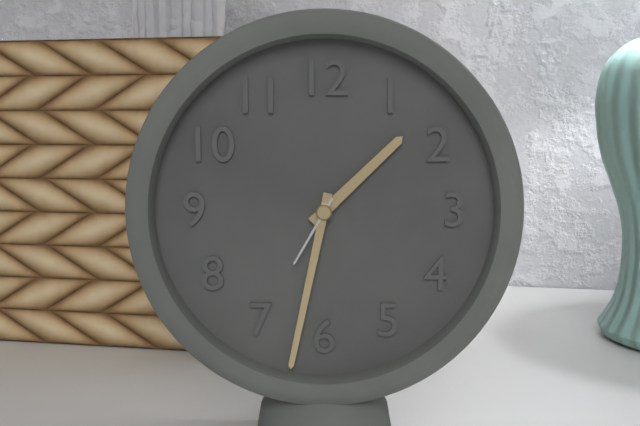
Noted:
1:32:35
